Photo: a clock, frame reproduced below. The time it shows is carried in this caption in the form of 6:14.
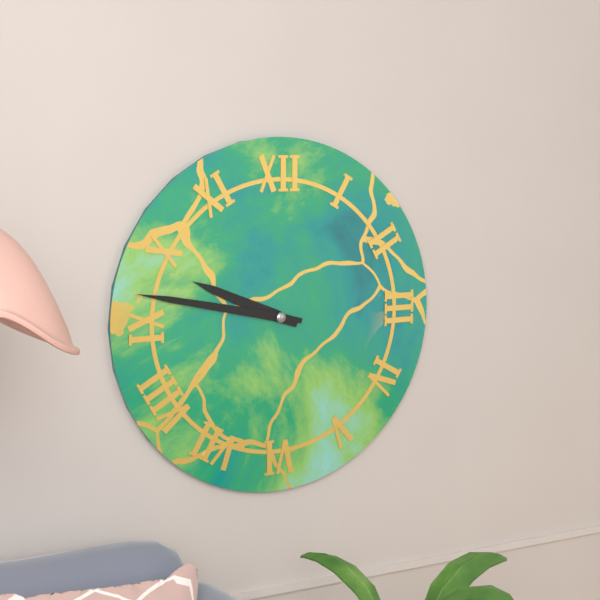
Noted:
9:47
